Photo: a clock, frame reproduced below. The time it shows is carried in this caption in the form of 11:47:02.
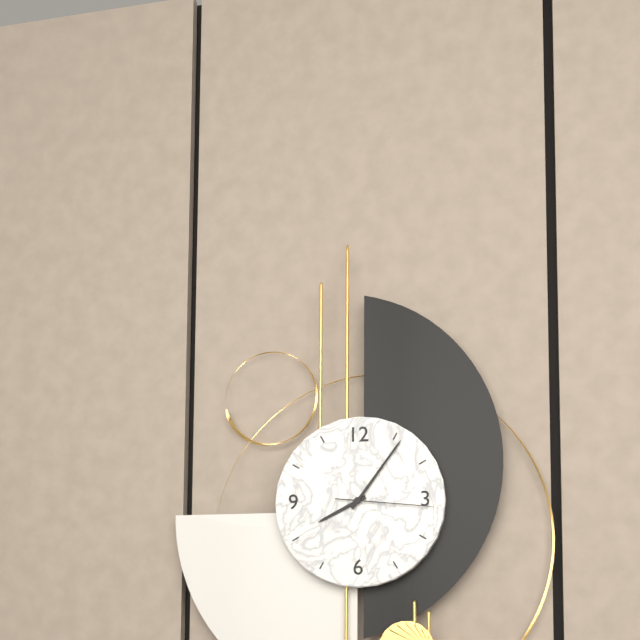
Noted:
8:06:16
